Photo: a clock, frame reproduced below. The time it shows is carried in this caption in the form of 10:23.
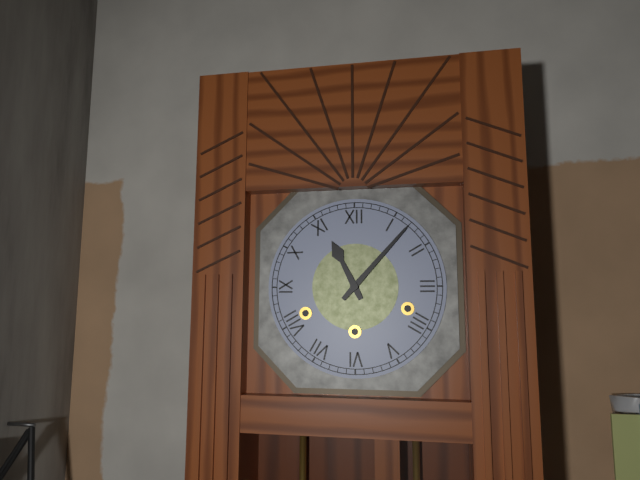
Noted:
11:07
